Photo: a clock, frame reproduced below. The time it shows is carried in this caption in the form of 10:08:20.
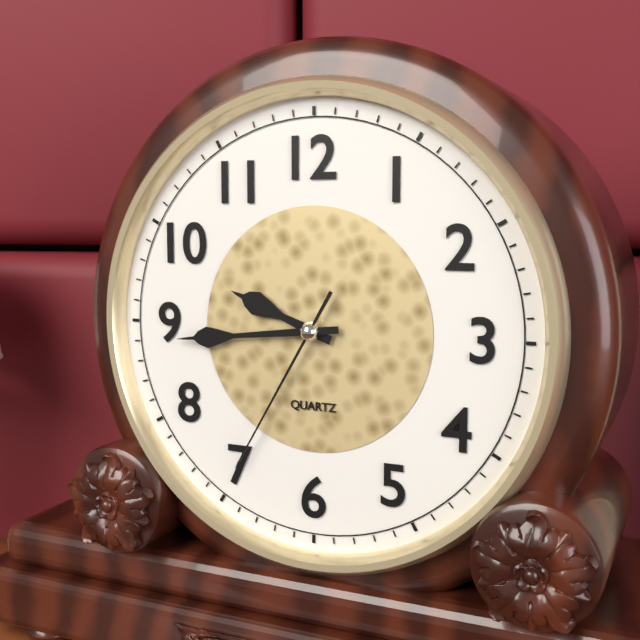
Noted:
9:44:35
